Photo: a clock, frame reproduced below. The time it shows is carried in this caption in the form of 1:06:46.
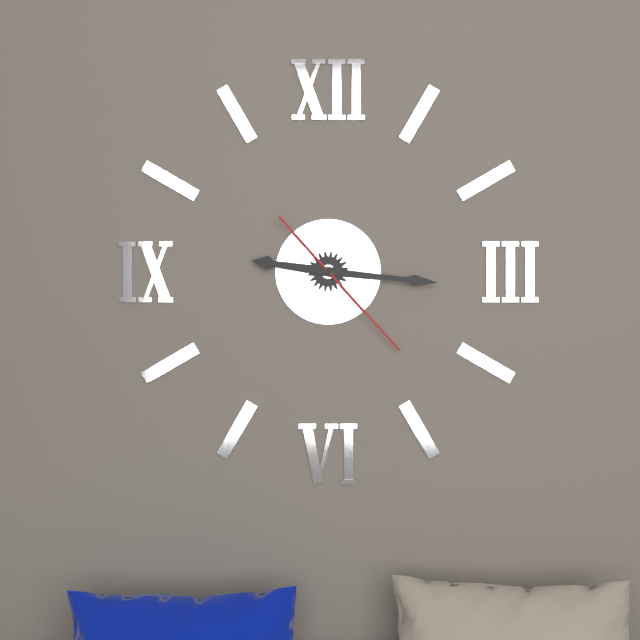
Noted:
9:16:23
